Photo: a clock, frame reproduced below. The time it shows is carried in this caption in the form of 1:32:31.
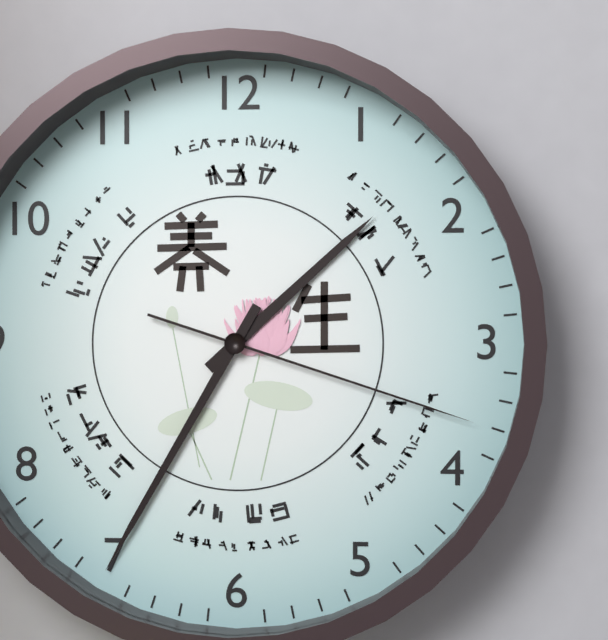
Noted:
1:35:18
